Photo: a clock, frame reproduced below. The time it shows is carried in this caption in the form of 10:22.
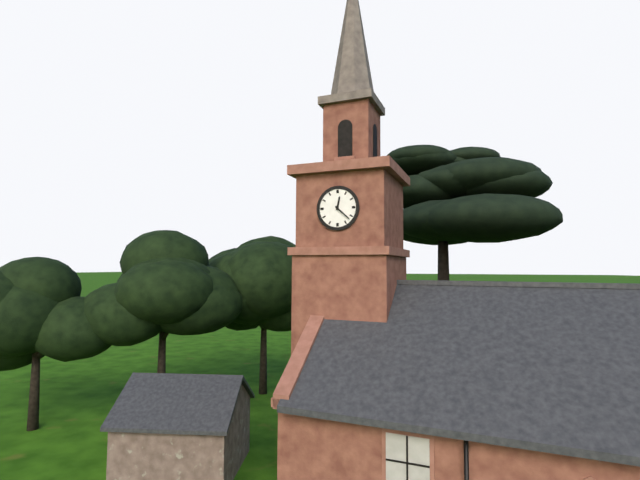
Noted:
12:22
